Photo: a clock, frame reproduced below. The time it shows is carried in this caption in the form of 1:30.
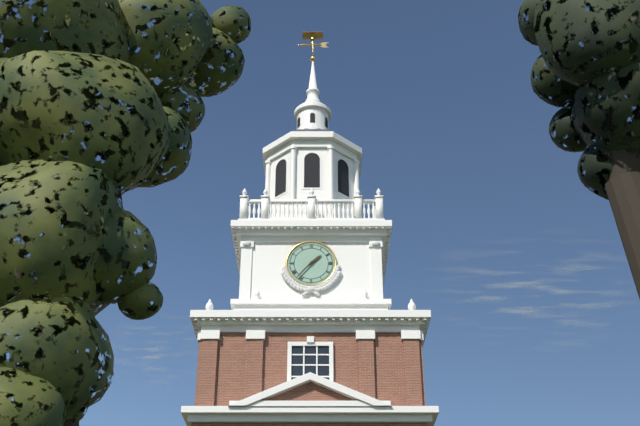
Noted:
1:37
